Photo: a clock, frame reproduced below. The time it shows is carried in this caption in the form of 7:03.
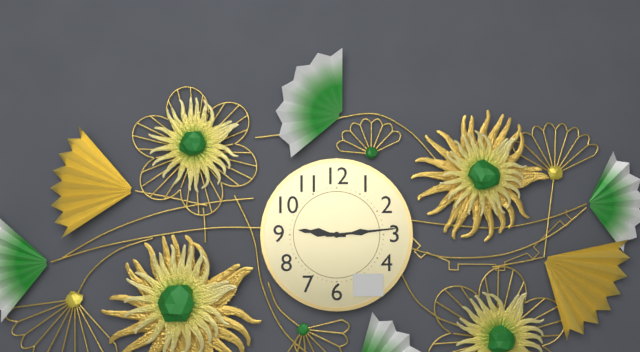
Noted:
9:14
